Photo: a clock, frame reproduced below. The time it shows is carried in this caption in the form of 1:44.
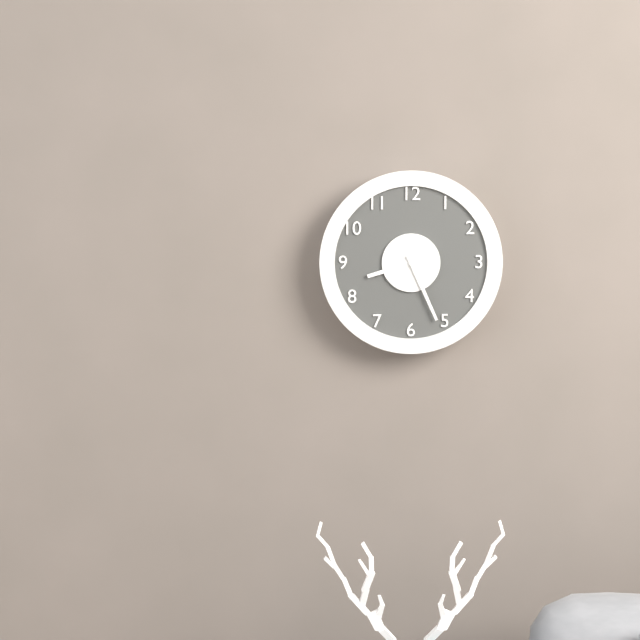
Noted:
8:26
